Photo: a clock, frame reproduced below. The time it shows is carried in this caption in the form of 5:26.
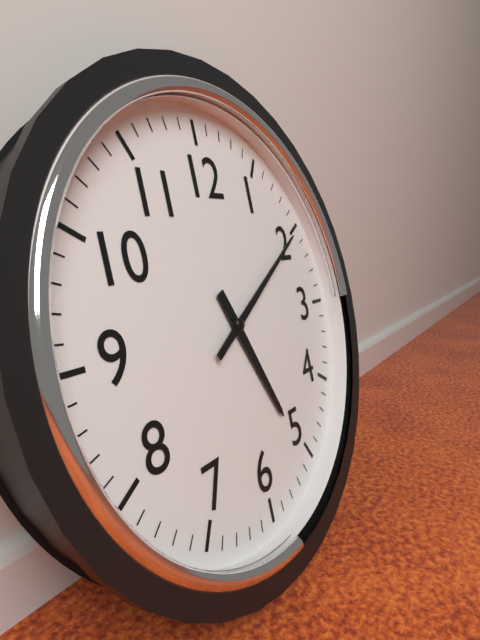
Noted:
5:10
